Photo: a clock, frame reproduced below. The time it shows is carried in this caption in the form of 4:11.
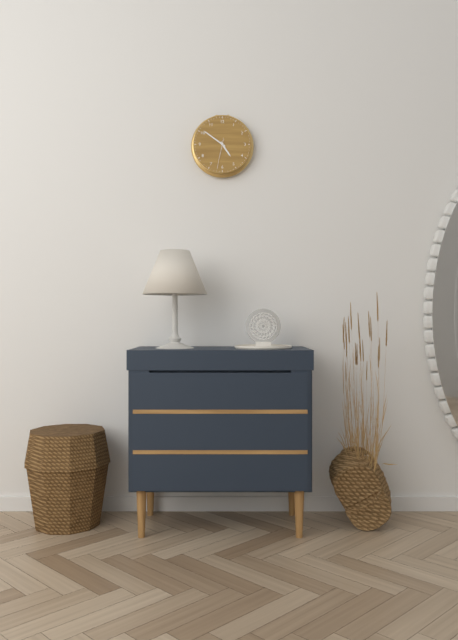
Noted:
4:51
